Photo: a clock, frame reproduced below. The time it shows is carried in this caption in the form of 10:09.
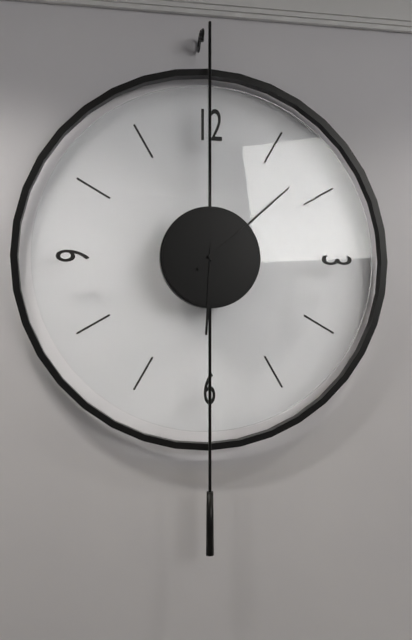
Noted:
6:08
